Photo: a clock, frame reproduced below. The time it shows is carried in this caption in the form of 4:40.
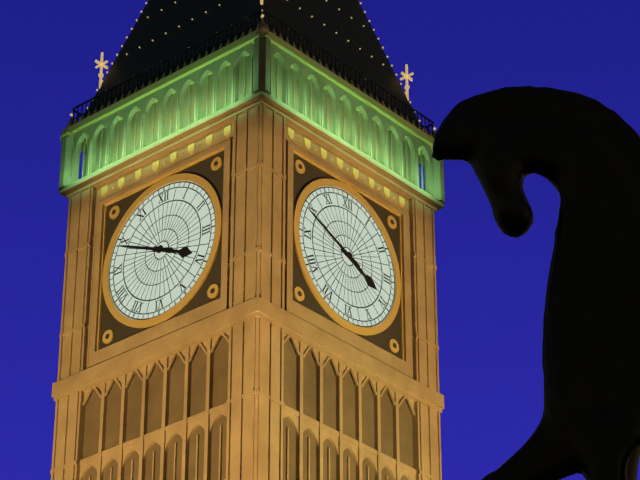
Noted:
3:49
